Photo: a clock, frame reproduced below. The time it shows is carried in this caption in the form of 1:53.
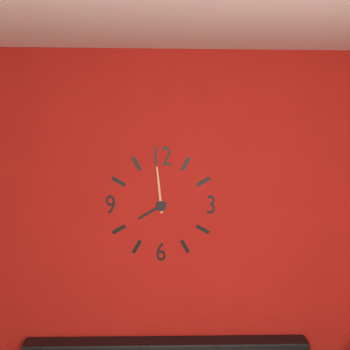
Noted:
7:59
